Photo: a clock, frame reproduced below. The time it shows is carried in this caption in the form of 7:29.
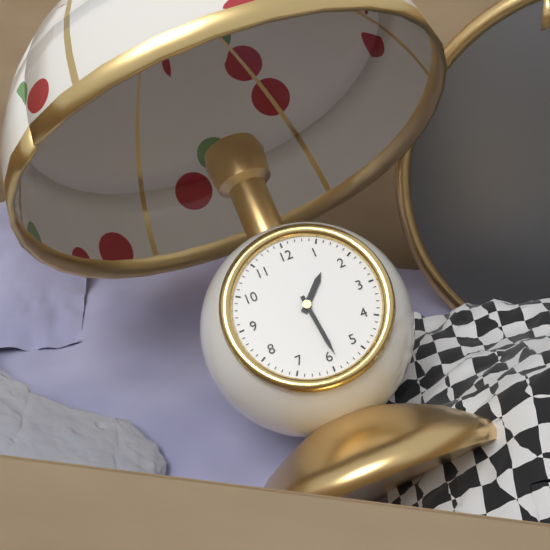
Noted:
1:29
